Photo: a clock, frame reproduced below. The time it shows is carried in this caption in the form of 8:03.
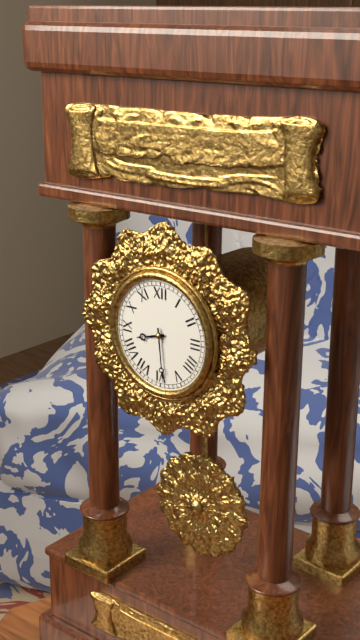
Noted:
8:29
